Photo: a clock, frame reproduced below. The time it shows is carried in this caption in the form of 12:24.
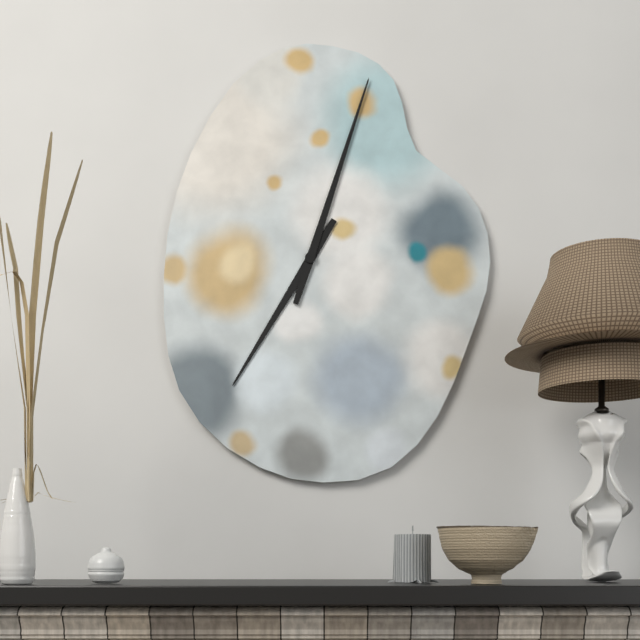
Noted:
7:03
